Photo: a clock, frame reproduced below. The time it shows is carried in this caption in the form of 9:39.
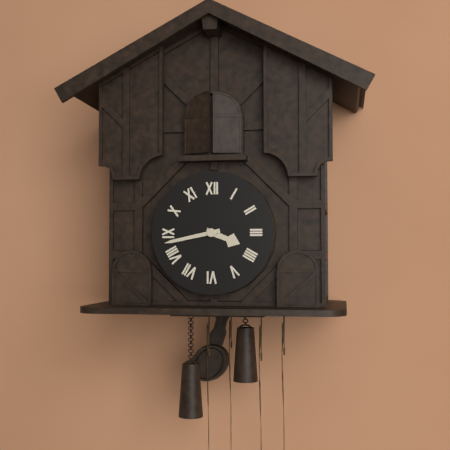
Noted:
3:43
